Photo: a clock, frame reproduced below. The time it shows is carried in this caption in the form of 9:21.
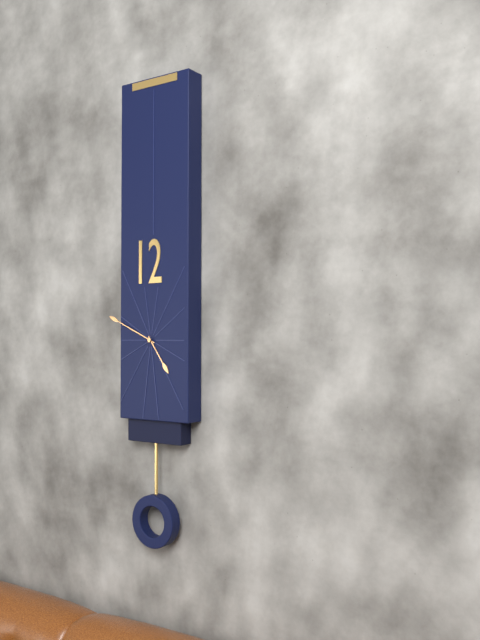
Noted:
4:49
